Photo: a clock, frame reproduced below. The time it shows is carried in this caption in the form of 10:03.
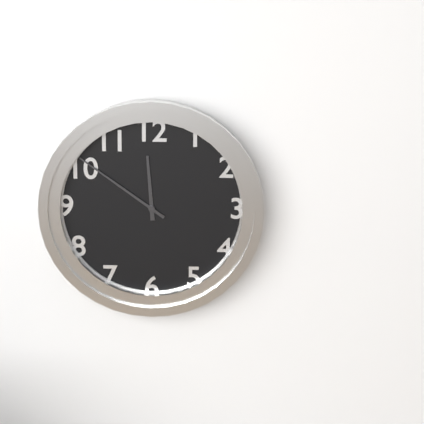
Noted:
11:51
